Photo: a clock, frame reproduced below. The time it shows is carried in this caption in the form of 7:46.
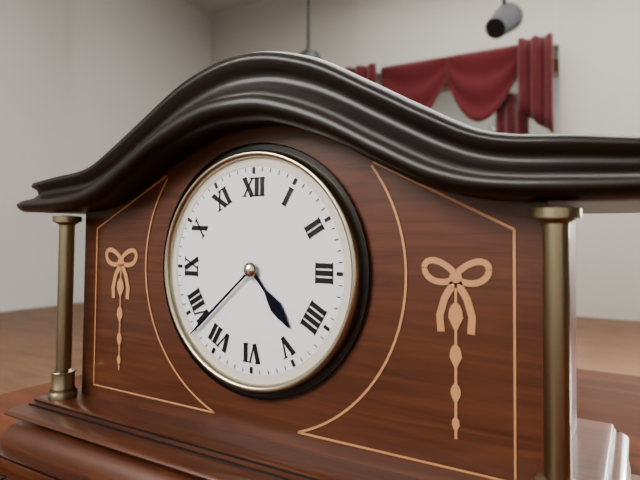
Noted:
4:38
